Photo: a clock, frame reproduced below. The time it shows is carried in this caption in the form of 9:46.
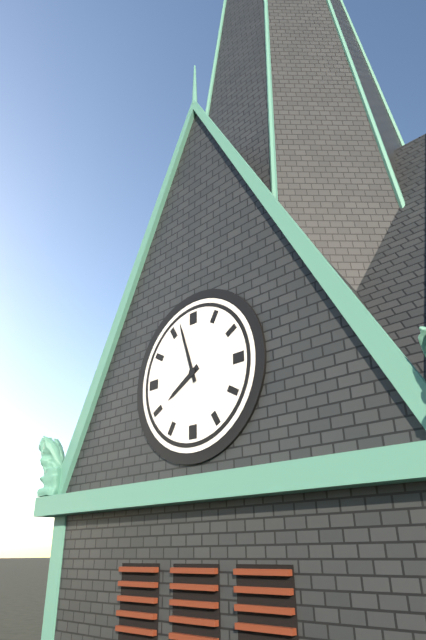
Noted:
7:57
